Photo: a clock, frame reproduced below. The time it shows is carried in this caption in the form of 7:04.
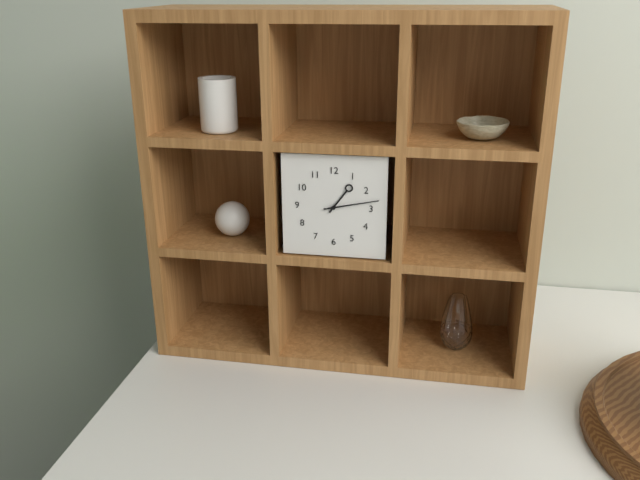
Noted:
1:13
